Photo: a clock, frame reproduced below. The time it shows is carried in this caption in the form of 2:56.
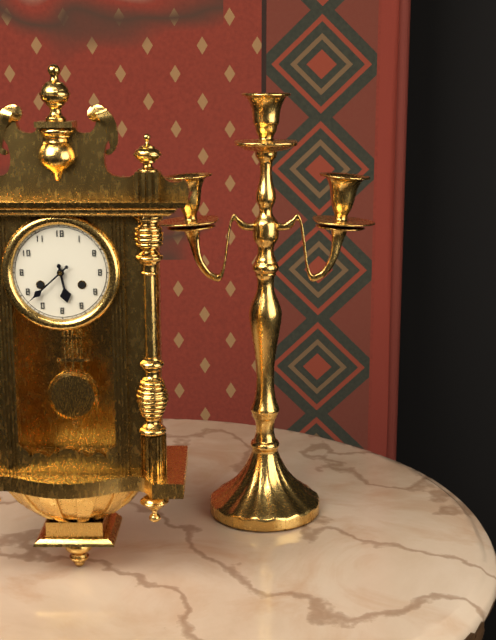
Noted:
5:38
